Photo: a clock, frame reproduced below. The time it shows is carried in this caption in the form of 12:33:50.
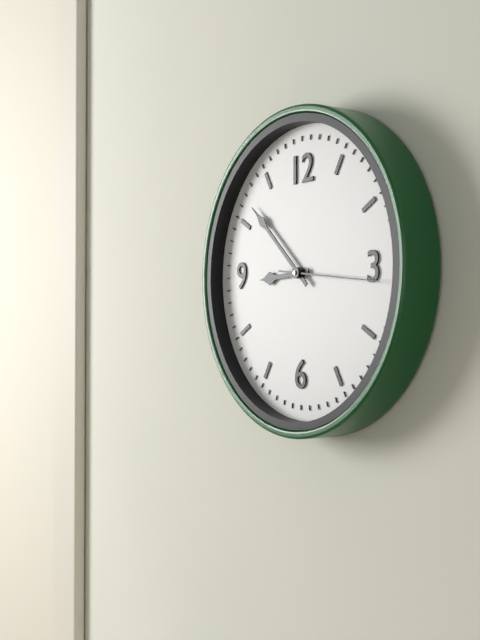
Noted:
8:52:16
